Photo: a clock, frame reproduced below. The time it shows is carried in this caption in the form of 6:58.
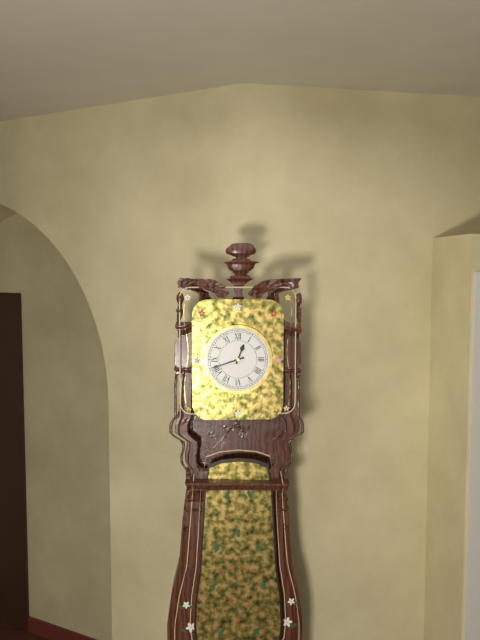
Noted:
12:42
